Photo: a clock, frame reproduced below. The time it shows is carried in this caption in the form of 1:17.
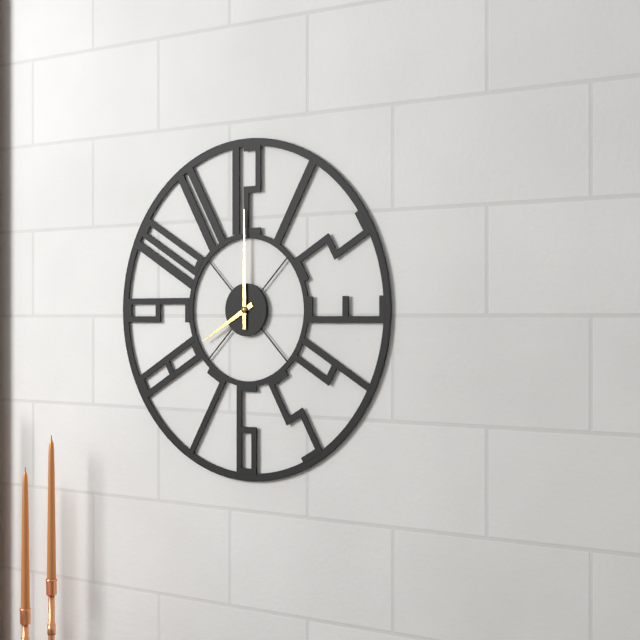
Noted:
8:00
